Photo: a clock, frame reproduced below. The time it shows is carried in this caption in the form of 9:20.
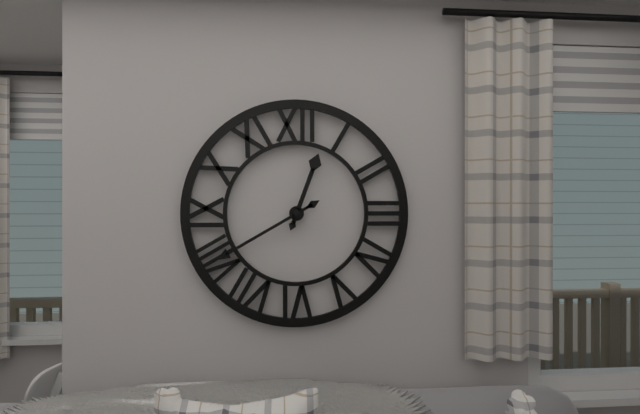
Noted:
12:40
